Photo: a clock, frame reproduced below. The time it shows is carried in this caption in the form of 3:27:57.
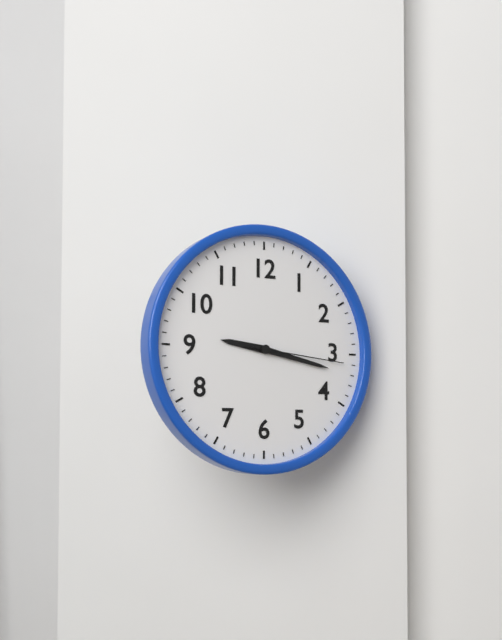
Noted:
9:17:16
